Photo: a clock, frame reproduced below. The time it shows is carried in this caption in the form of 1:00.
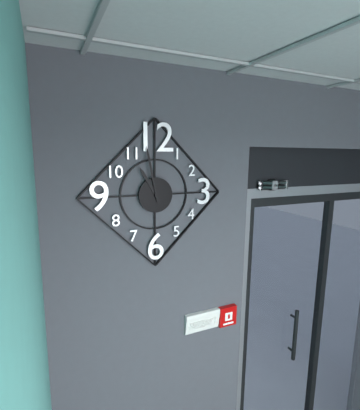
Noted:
10:58
